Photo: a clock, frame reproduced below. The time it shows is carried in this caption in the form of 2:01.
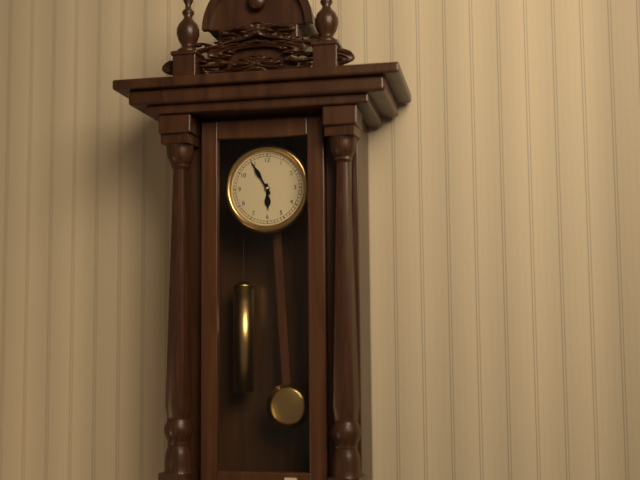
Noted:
5:55
